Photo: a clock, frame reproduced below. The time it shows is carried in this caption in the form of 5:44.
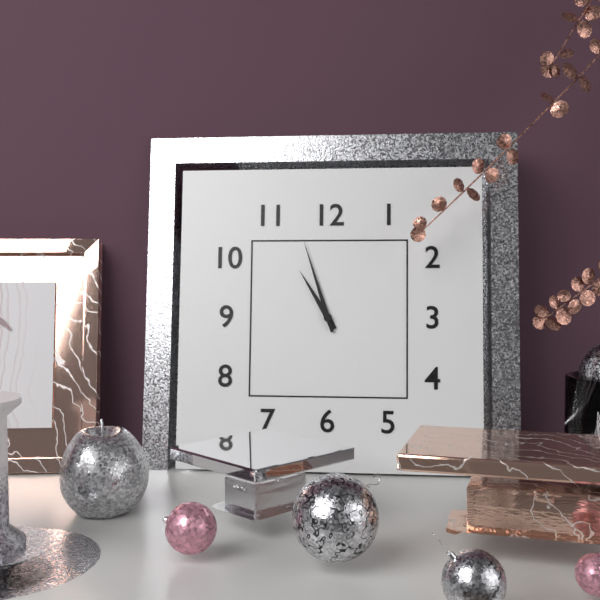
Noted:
10:57
